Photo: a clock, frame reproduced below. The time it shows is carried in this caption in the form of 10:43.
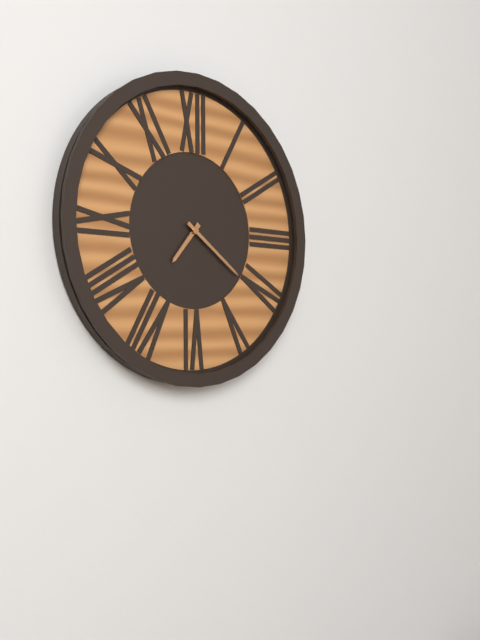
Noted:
7:21
